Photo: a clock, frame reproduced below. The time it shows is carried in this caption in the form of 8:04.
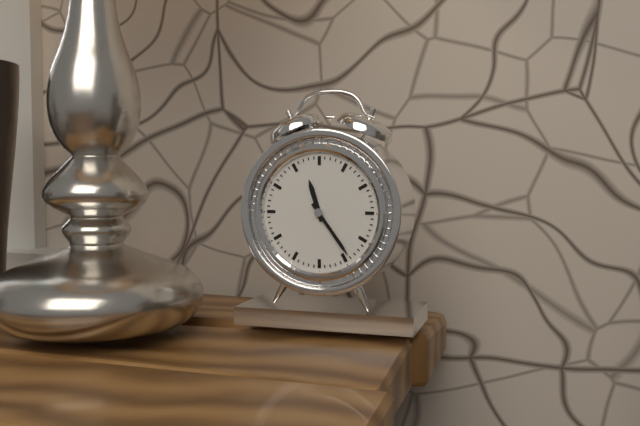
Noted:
11:24
